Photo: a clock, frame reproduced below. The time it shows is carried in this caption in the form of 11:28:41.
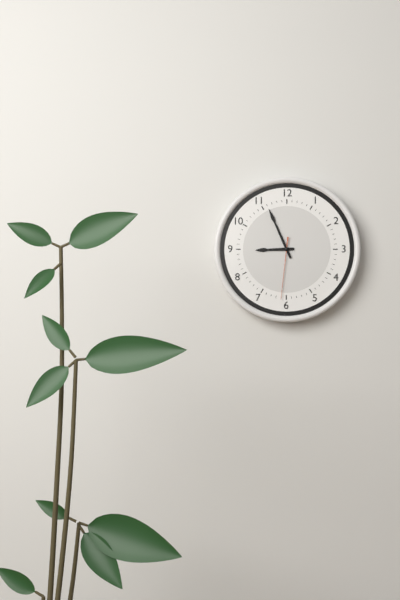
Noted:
8:56:31
